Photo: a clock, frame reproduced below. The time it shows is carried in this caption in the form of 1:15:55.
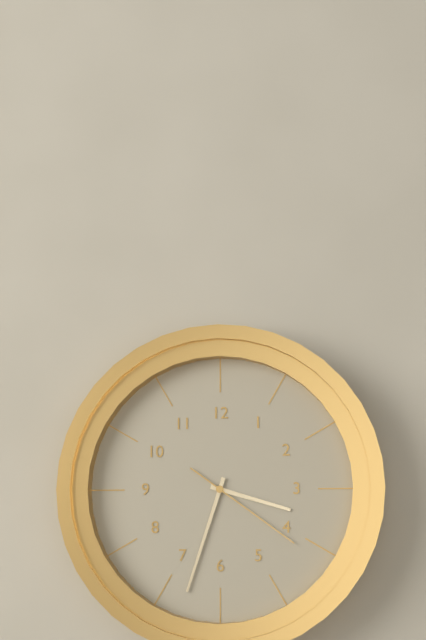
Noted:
3:33:21
